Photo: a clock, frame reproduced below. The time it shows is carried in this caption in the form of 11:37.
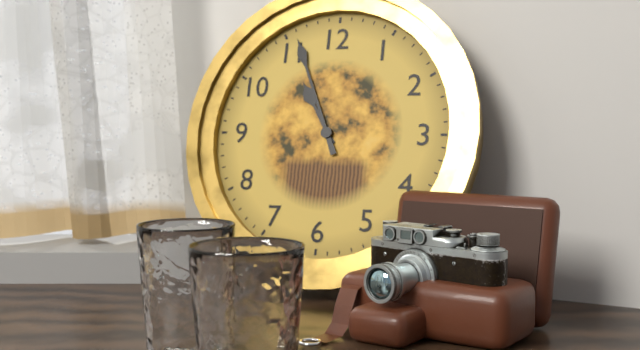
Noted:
10:56
